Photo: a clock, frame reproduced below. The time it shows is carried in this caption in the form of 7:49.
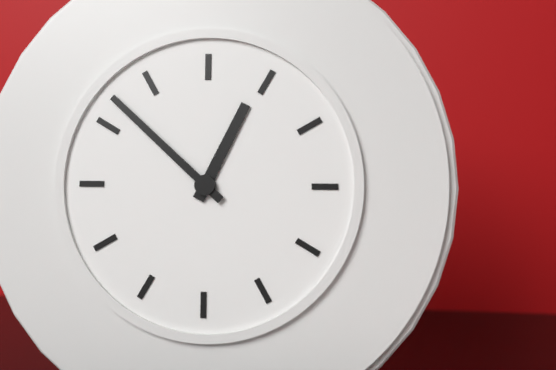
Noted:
12:52
